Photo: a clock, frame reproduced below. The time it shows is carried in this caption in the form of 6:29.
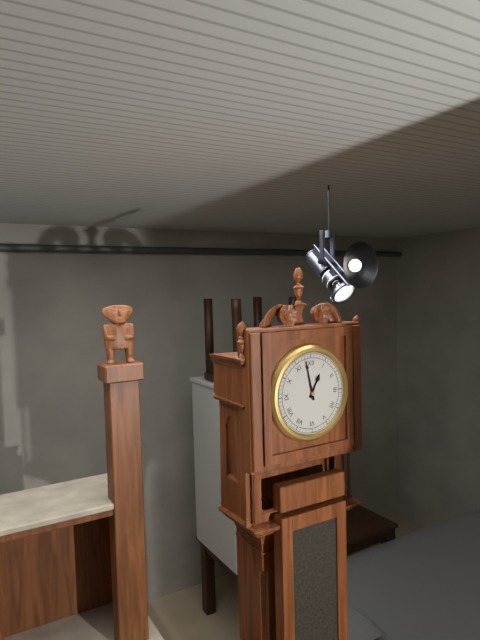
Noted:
12:58
